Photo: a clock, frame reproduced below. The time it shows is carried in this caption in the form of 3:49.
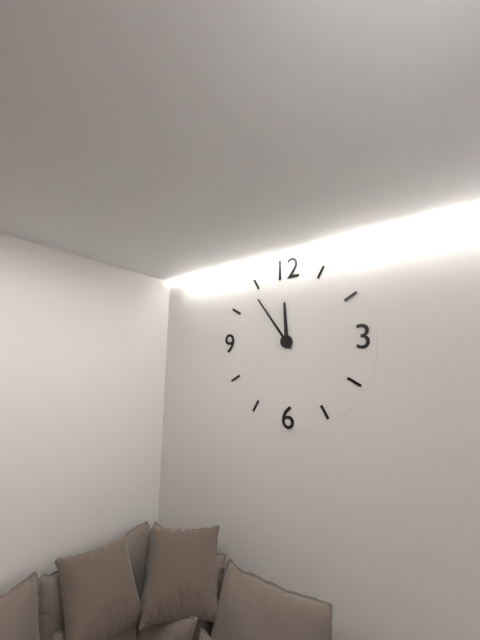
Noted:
11:54
